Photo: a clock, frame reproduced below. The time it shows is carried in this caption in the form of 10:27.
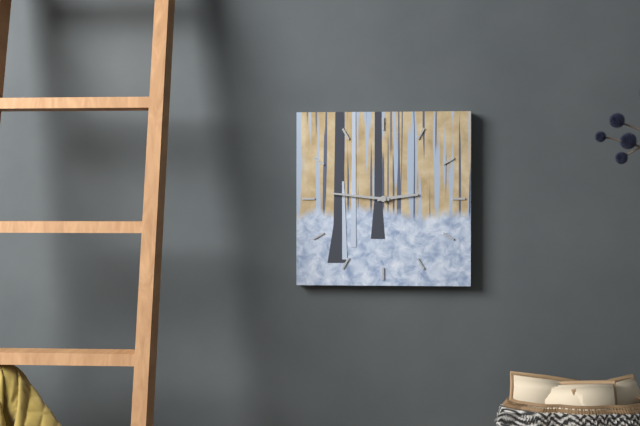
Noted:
2:46
